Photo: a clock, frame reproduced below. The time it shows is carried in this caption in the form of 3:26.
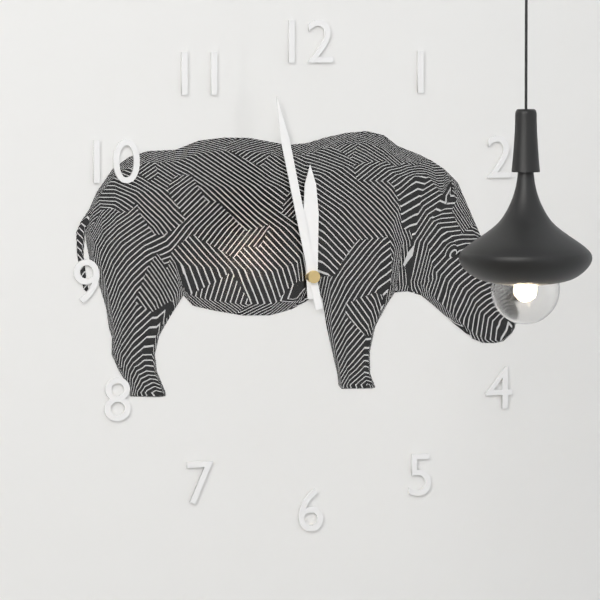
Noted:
11:58
